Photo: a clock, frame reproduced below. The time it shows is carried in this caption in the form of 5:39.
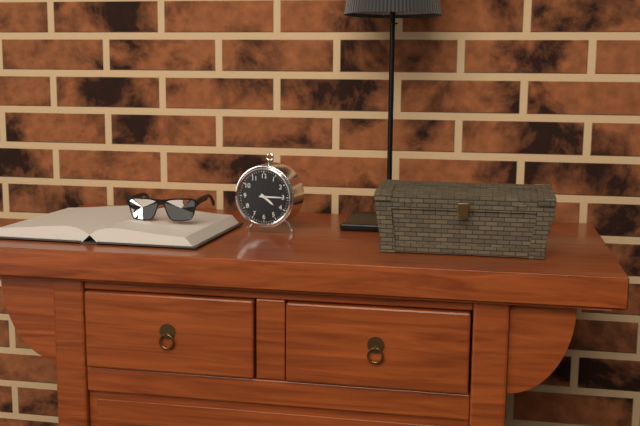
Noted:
4:15
